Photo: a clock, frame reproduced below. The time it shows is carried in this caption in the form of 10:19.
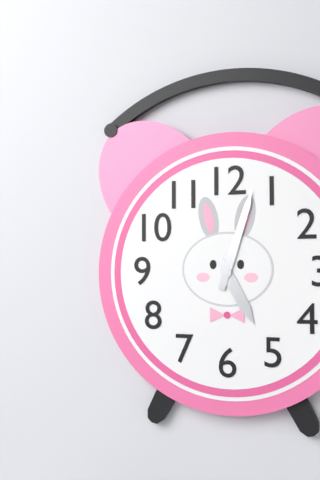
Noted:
5:03
